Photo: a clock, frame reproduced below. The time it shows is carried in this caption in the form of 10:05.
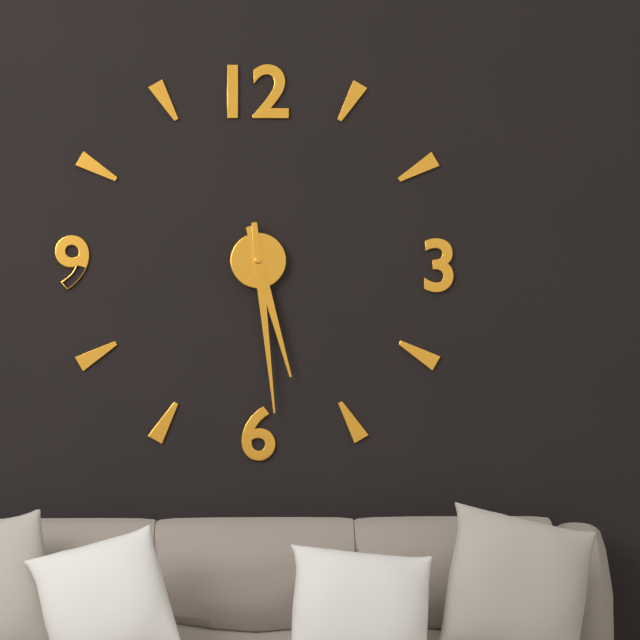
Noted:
5:29
